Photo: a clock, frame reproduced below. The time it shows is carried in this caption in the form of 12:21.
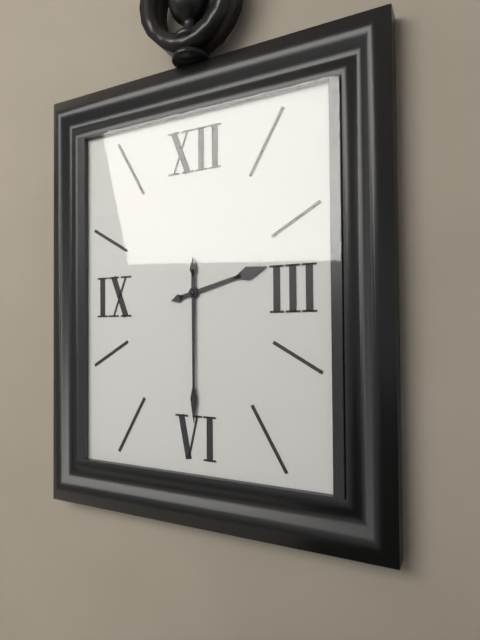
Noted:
2:30
